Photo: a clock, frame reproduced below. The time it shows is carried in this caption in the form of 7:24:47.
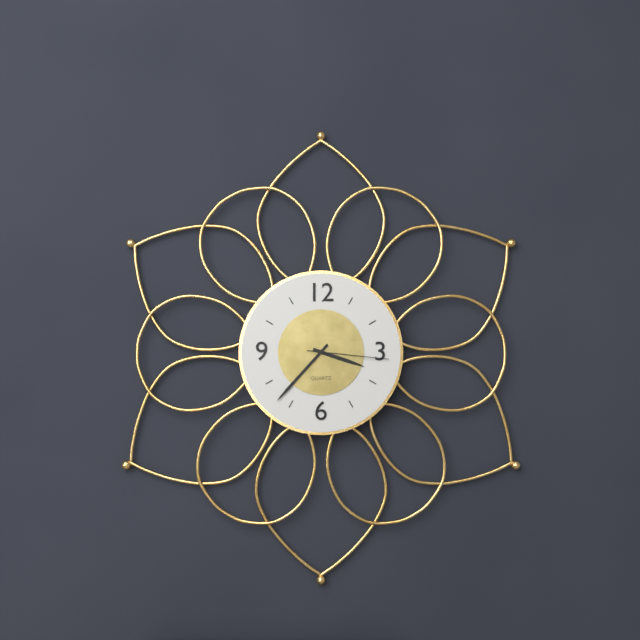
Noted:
3:37:16
